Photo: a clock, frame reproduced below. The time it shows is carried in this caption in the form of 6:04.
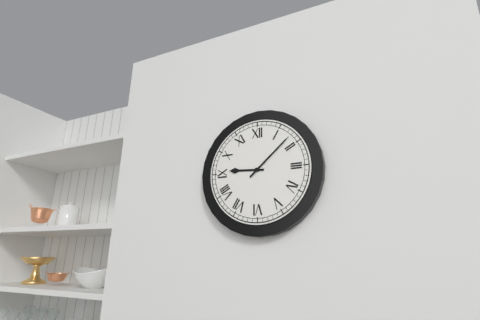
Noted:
9:08
